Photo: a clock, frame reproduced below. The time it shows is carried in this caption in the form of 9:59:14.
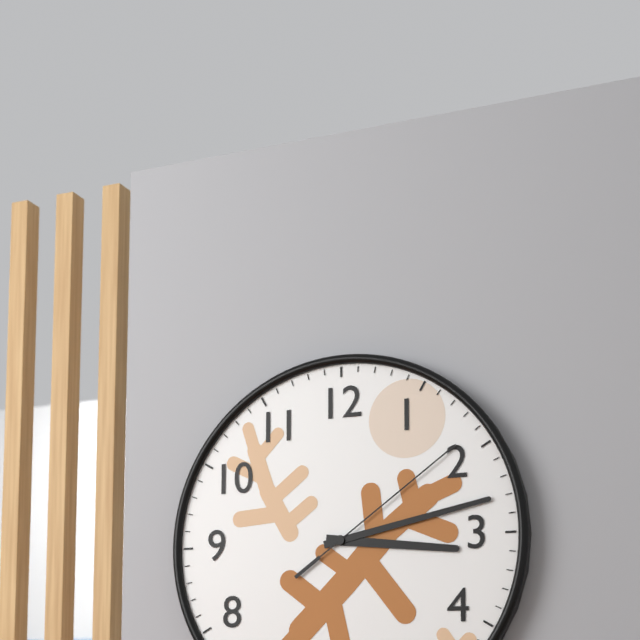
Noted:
3:13:09
